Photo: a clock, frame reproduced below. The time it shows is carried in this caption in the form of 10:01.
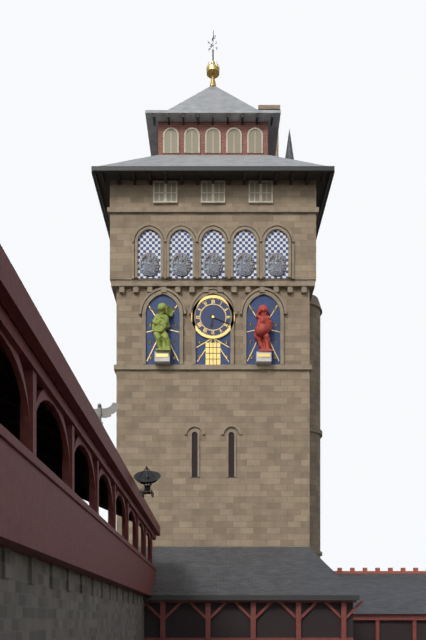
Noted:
6:19
